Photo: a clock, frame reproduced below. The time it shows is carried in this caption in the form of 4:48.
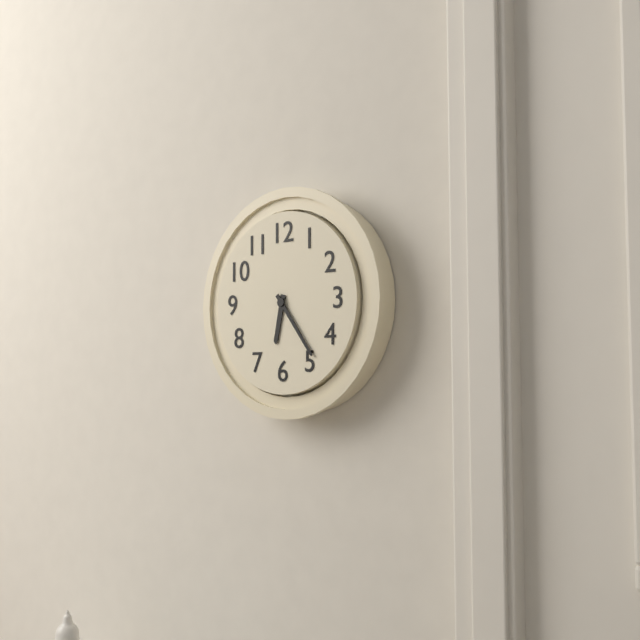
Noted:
6:24
